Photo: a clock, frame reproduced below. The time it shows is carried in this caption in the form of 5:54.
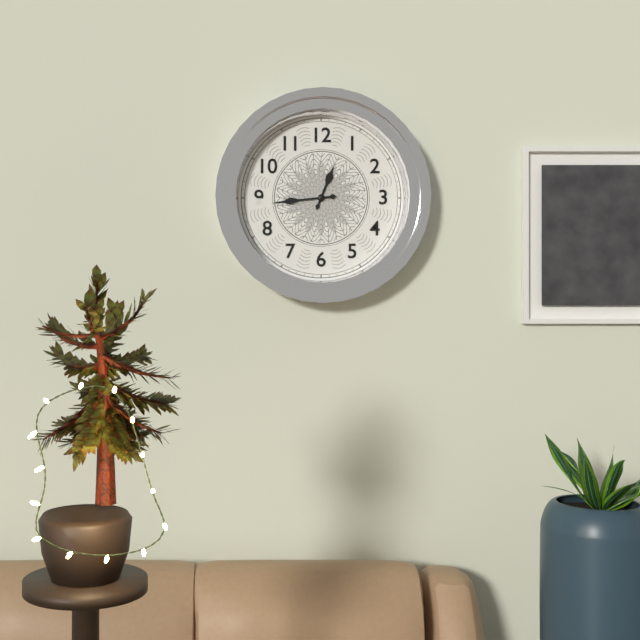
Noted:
12:44
